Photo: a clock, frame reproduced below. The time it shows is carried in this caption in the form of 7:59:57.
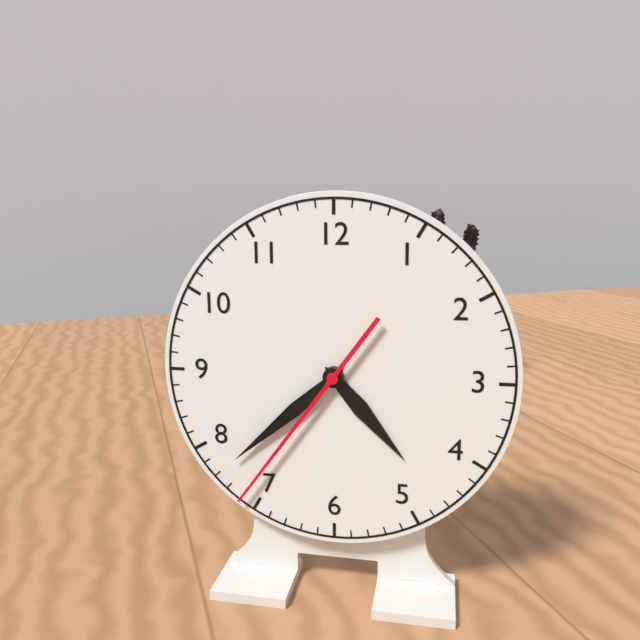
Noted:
4:38:36
